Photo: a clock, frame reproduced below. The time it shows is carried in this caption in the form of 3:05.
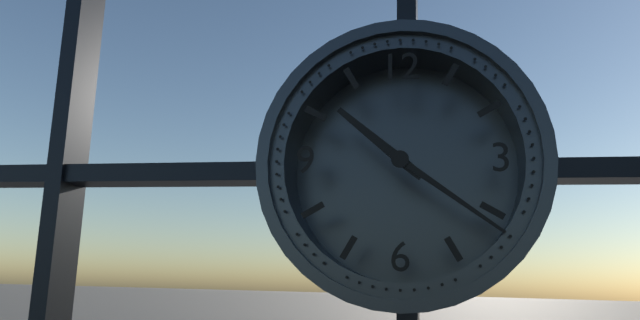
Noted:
10:21
